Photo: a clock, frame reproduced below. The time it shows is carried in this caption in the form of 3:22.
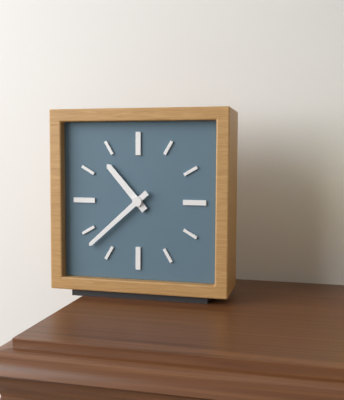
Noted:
10:38
